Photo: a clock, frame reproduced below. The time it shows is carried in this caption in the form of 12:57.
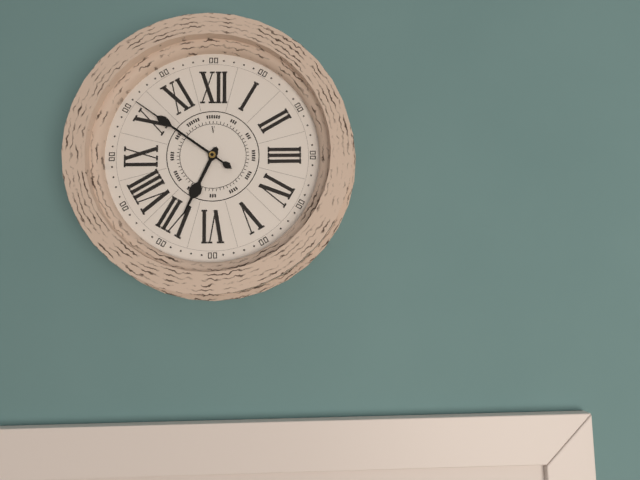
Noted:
6:51
